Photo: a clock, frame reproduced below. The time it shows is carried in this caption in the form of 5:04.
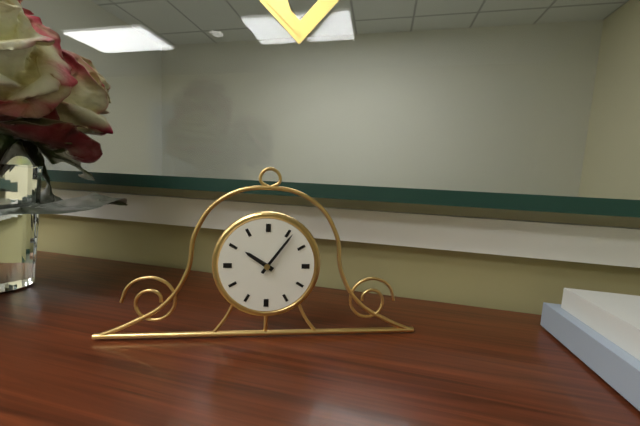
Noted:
10:06
